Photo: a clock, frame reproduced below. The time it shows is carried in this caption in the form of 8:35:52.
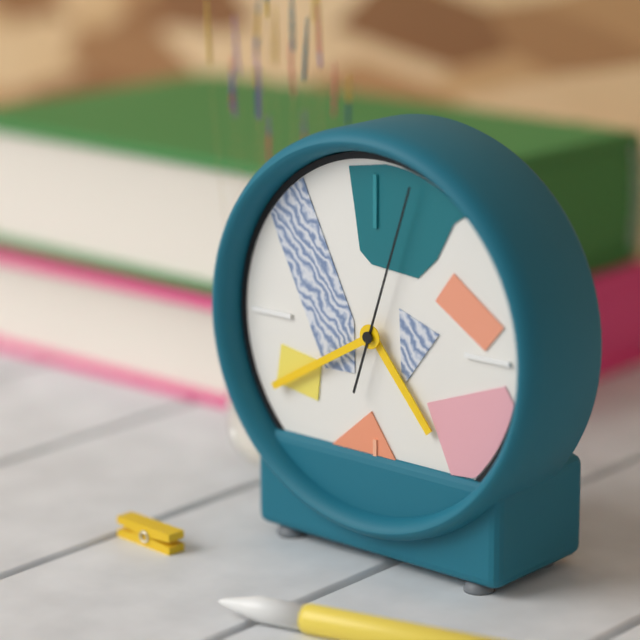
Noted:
4:40:03
